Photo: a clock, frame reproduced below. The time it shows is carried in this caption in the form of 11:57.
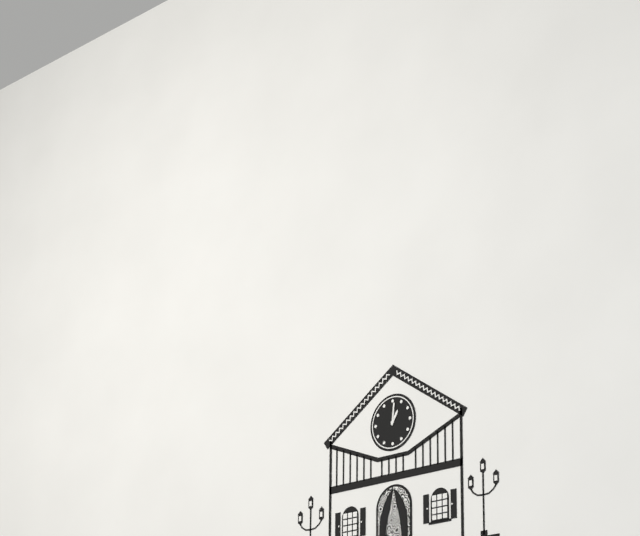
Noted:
1:01
